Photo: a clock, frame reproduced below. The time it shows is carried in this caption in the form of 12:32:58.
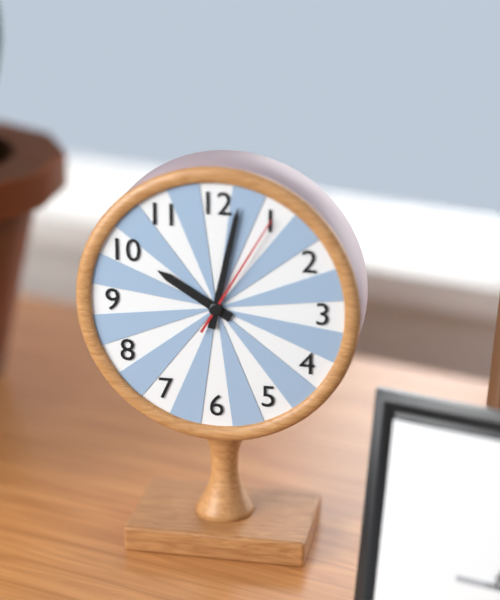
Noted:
10:02:05
